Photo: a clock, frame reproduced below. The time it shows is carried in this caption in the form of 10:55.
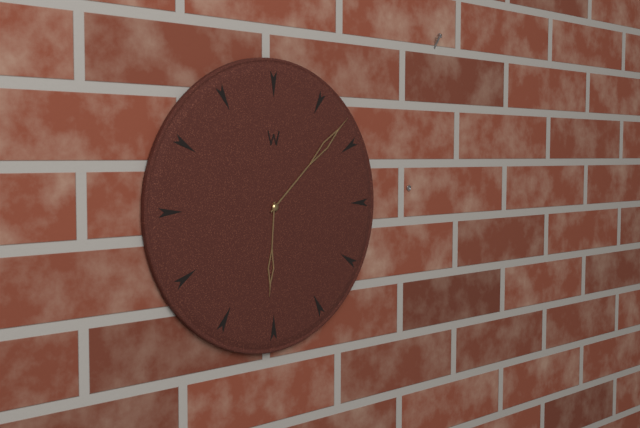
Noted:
6:08
